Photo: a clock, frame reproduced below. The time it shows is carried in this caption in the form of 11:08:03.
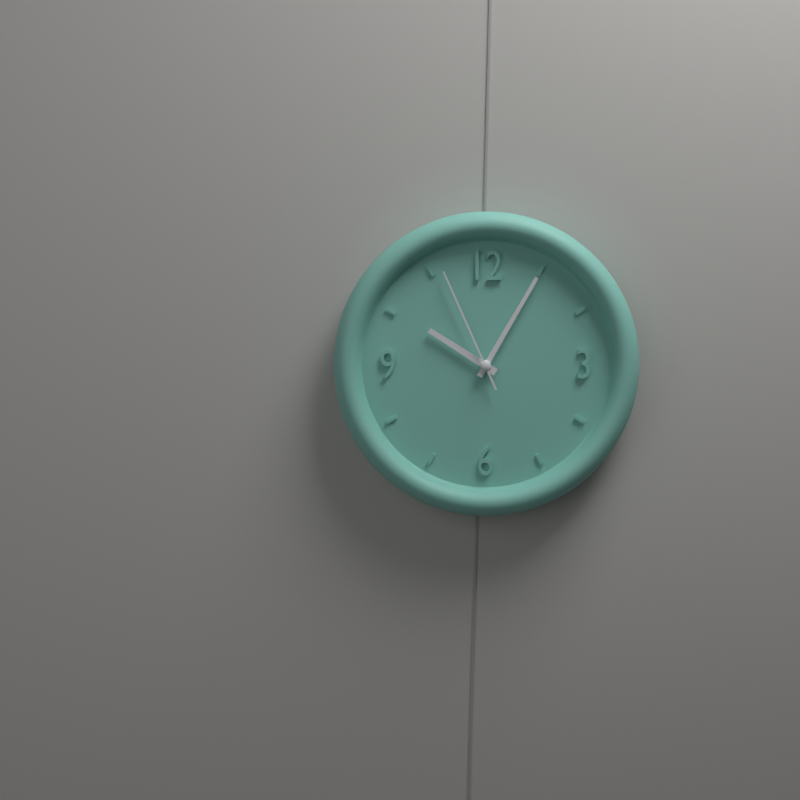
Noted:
10:05:56
